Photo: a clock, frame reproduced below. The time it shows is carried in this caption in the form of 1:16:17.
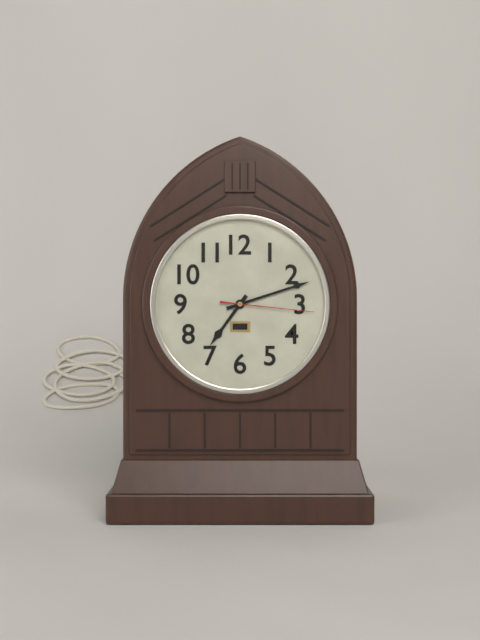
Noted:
7:12:16
